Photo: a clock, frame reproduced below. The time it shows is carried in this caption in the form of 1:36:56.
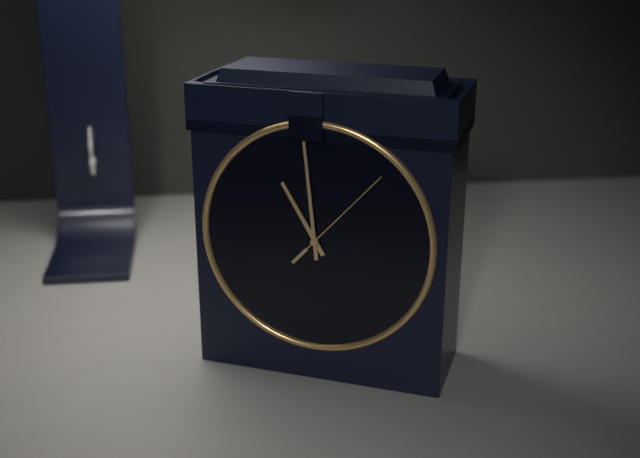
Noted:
10:59:07
